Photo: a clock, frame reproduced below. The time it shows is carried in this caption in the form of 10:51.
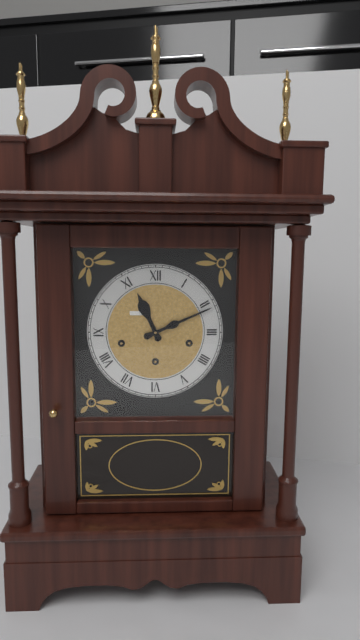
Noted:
11:11
